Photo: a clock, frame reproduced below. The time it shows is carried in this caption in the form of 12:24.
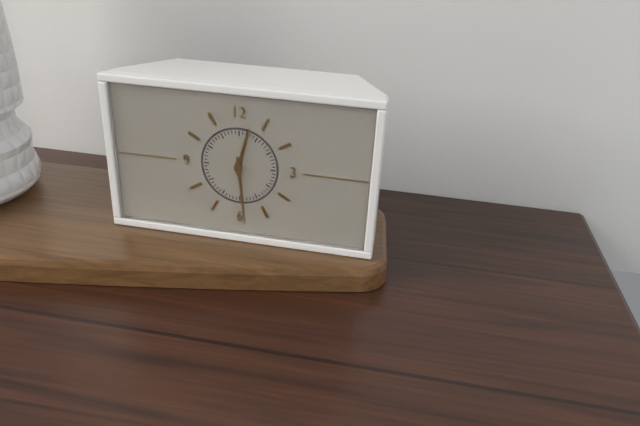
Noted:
12:29
